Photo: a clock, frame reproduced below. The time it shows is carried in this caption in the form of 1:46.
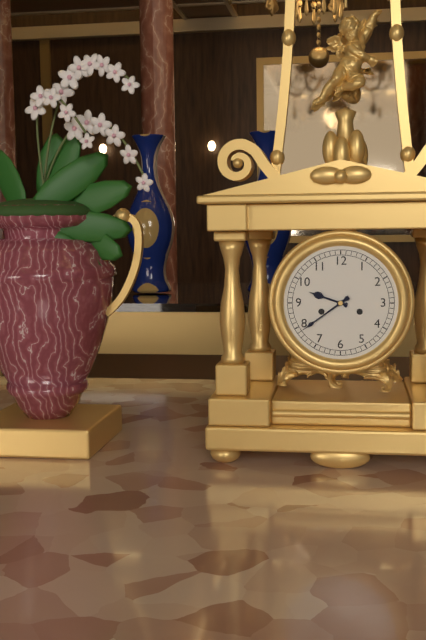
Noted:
9:39
